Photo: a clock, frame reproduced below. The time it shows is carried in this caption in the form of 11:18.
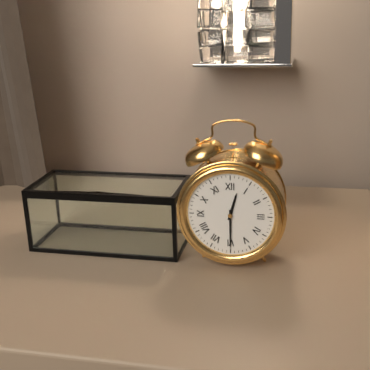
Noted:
12:30
